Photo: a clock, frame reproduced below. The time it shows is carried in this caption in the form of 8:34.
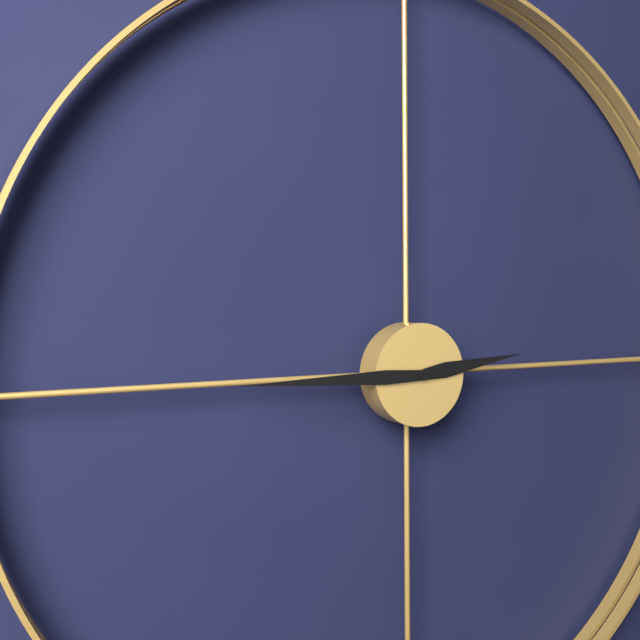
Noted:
2:45
